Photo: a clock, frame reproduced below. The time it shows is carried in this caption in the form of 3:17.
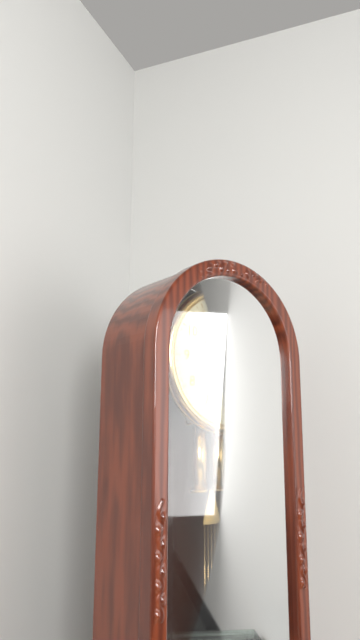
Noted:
10:06
